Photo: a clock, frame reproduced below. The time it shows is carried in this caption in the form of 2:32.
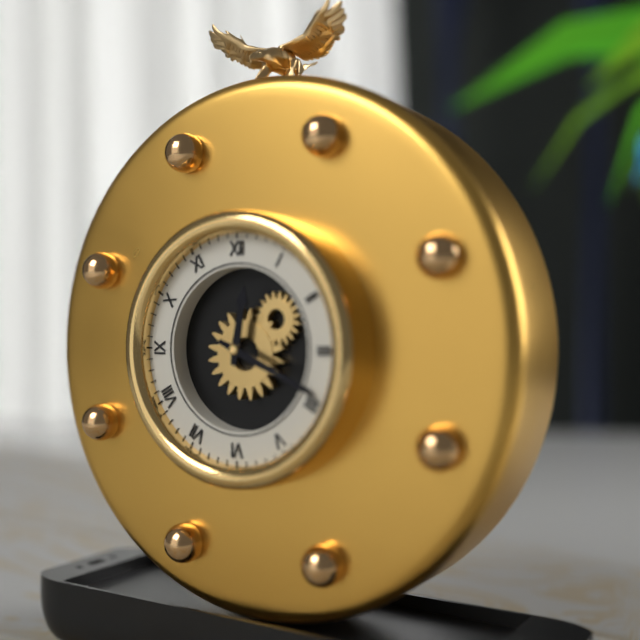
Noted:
12:19
